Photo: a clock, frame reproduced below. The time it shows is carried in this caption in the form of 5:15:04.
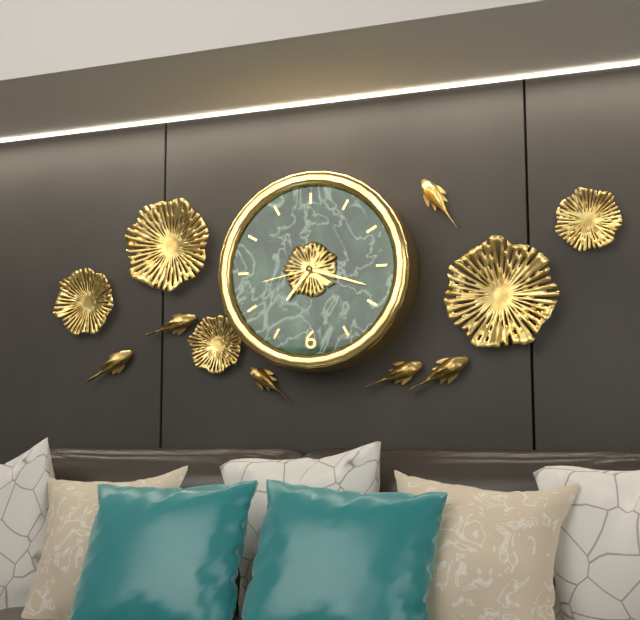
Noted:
7:18:43
